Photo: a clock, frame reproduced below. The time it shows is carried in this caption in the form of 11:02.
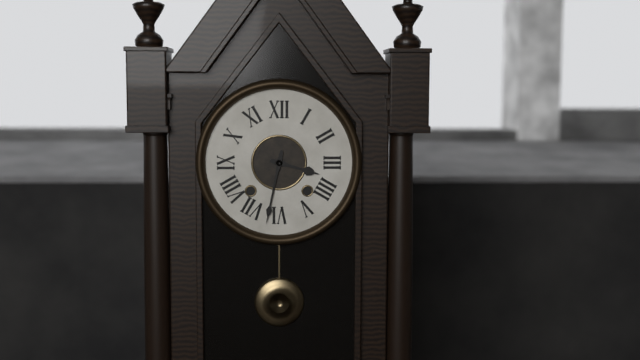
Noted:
3:32
